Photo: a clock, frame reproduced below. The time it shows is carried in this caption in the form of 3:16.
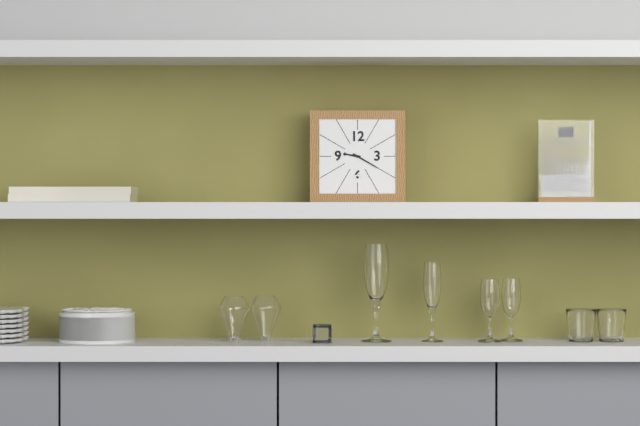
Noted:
9:20
